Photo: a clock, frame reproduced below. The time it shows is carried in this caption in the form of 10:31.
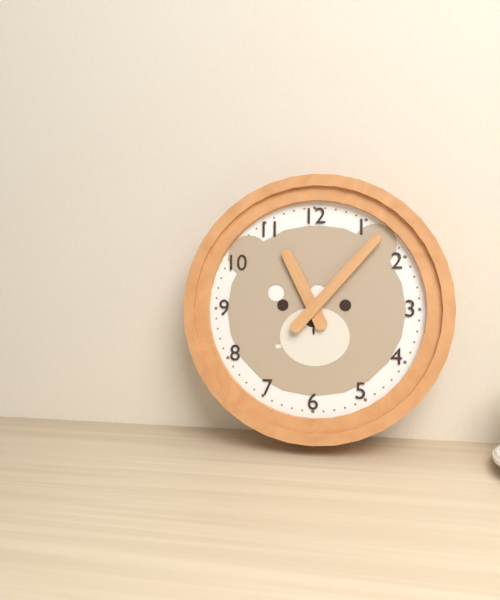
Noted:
11:07
